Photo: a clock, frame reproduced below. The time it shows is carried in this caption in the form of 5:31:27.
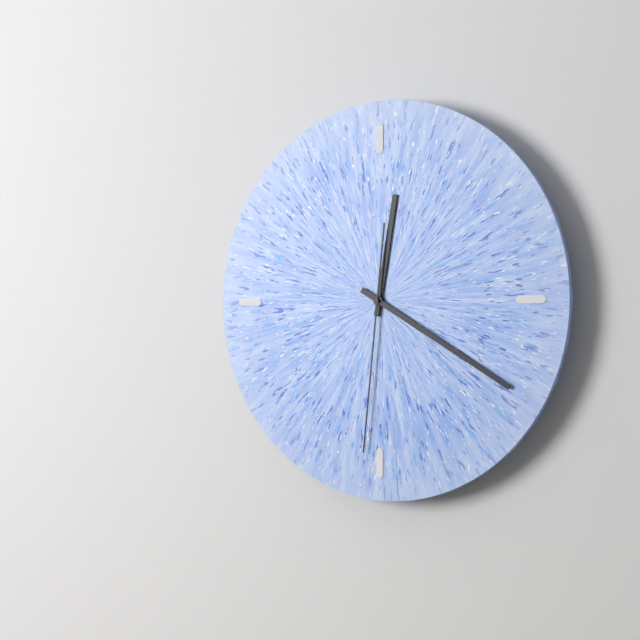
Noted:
12:20:31
